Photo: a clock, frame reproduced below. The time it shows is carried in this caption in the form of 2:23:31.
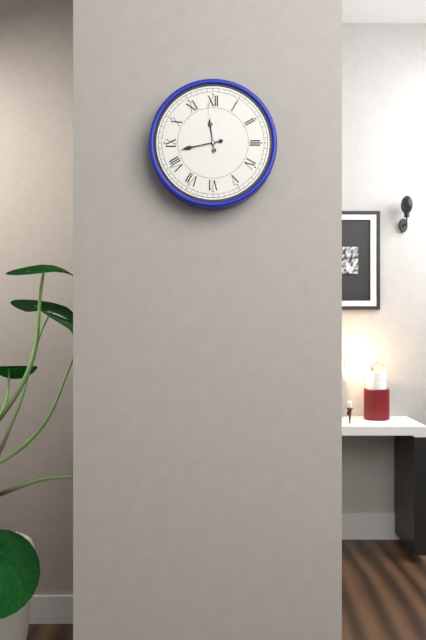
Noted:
11:43:59
